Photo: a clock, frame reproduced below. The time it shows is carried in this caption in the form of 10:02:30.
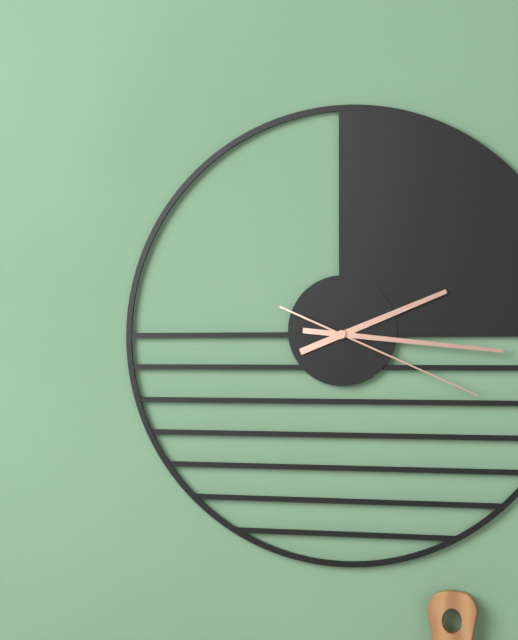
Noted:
2:16:19
